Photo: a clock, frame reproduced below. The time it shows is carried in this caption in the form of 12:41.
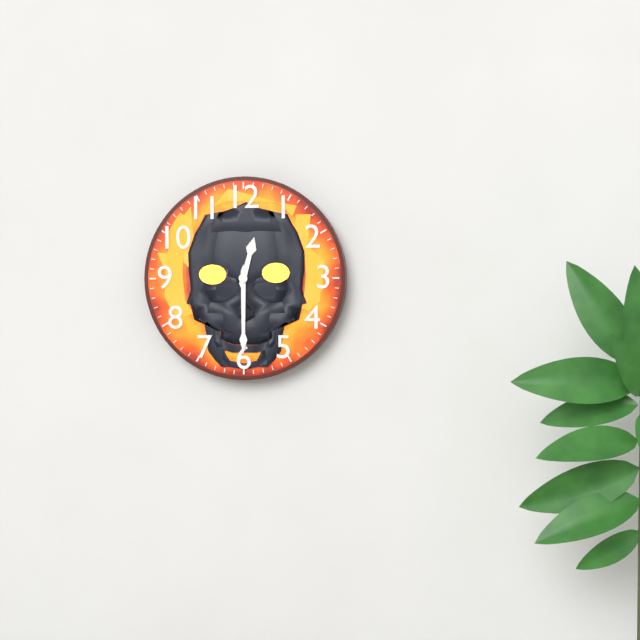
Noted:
12:30
